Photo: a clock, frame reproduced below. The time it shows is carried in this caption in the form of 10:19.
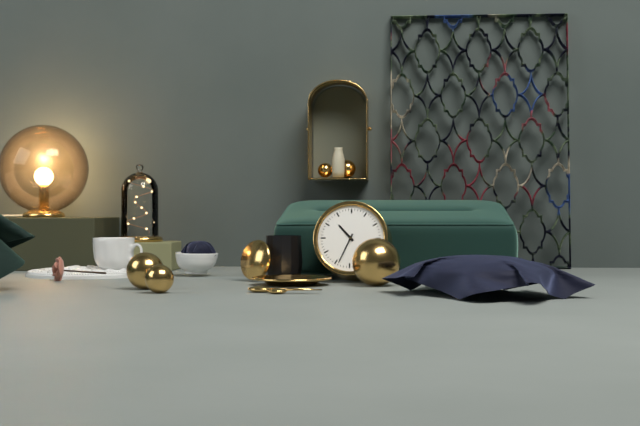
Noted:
10:34
